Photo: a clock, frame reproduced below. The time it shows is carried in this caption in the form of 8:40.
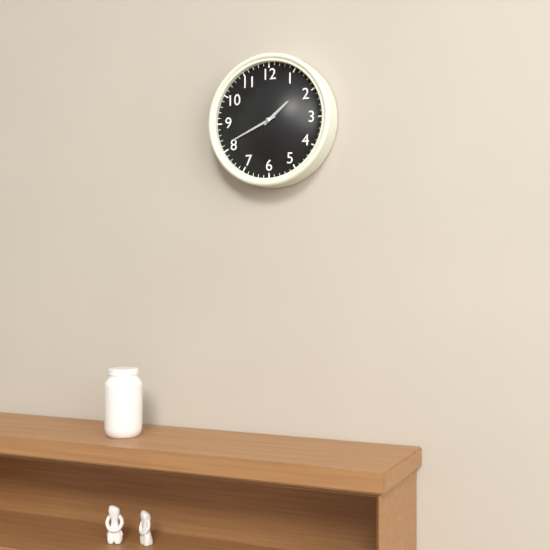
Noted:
1:41
